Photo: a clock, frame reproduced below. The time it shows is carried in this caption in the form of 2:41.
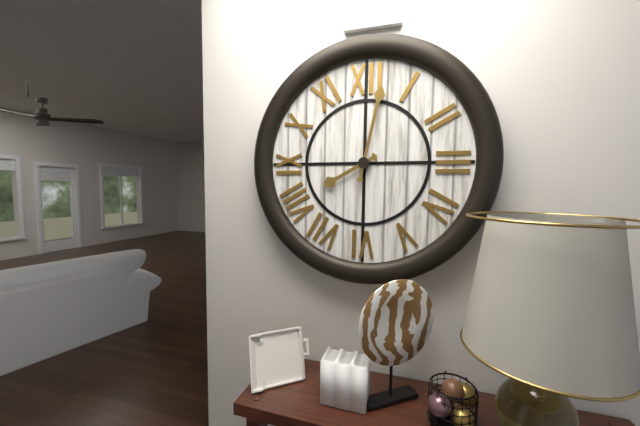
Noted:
8:02
